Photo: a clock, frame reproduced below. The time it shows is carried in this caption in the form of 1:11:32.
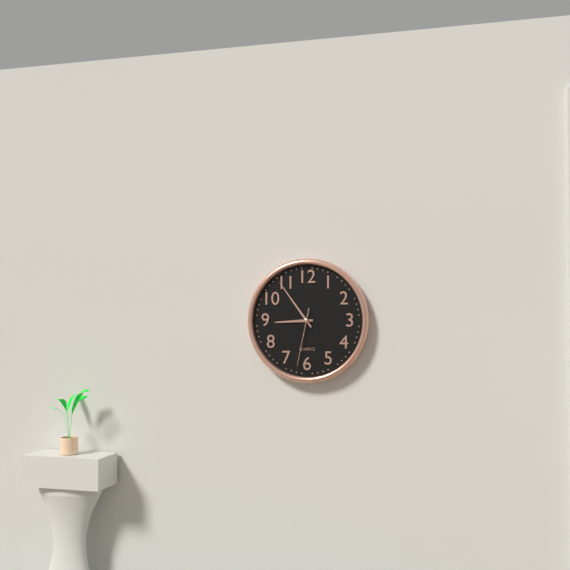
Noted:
8:54:32
